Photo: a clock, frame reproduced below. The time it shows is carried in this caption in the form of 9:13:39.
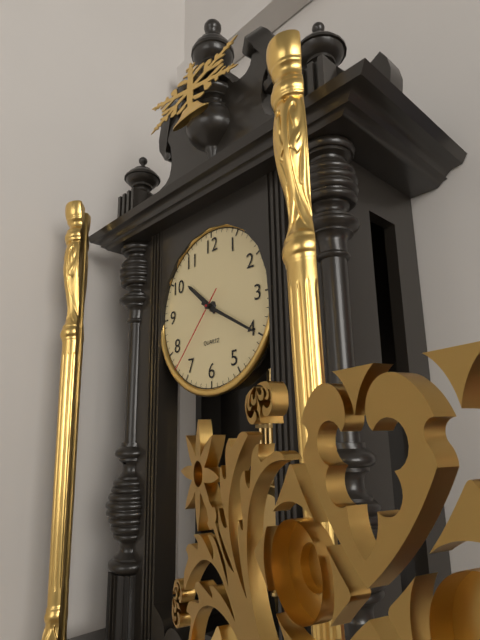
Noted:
10:20:37
